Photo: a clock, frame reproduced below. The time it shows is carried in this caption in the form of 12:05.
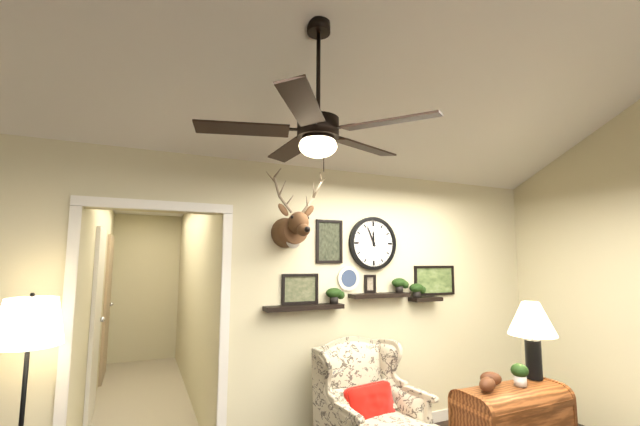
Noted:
11:56
